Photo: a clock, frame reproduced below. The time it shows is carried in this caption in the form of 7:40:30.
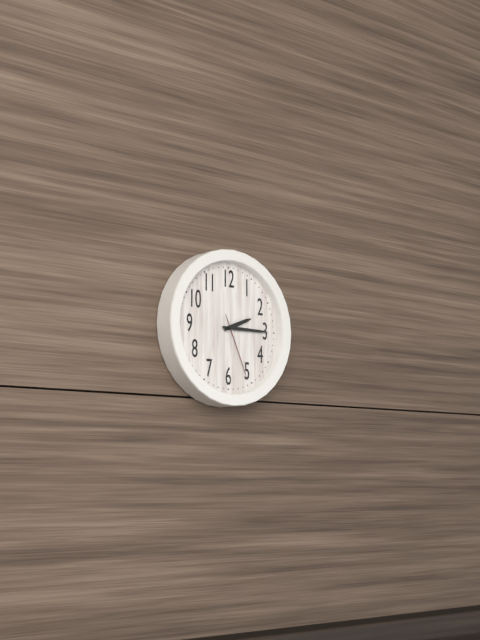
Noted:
2:15:26
